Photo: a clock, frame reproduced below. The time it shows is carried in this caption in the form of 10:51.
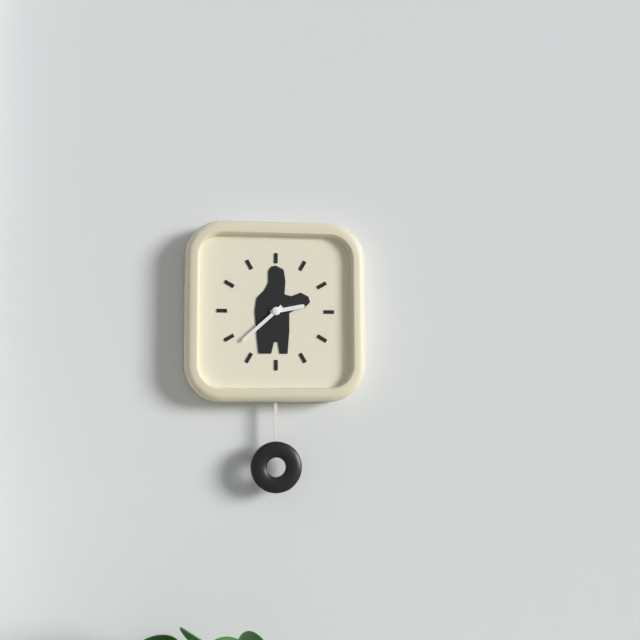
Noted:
2:38
